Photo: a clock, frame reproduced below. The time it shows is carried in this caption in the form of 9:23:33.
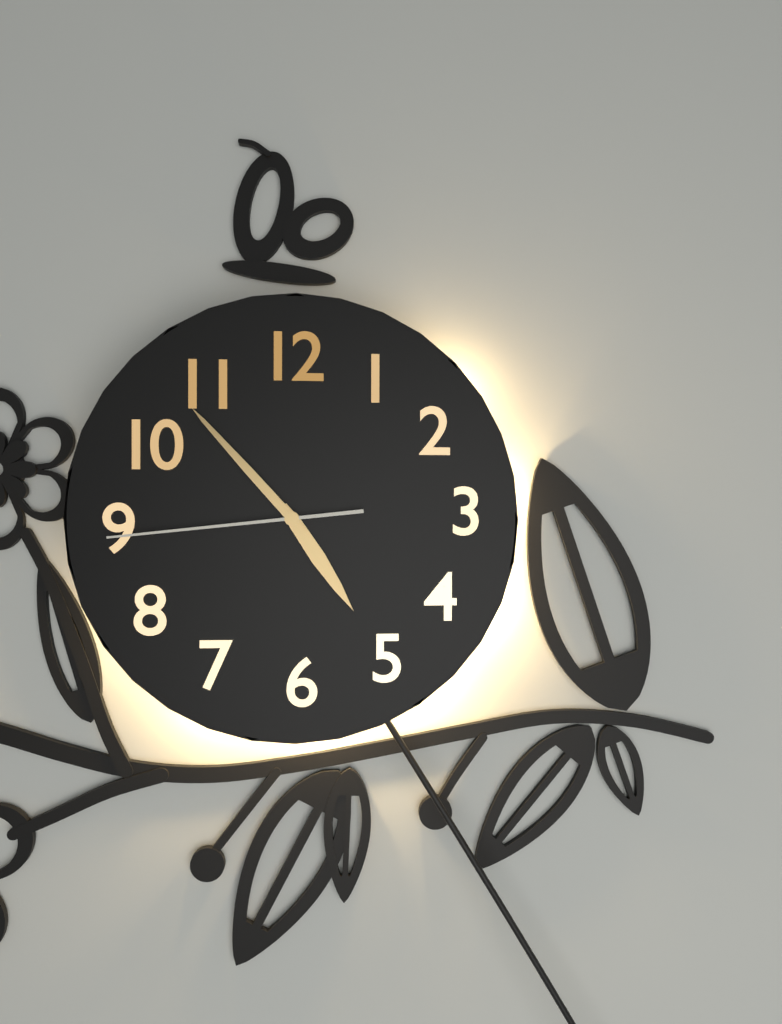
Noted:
4:53:44
